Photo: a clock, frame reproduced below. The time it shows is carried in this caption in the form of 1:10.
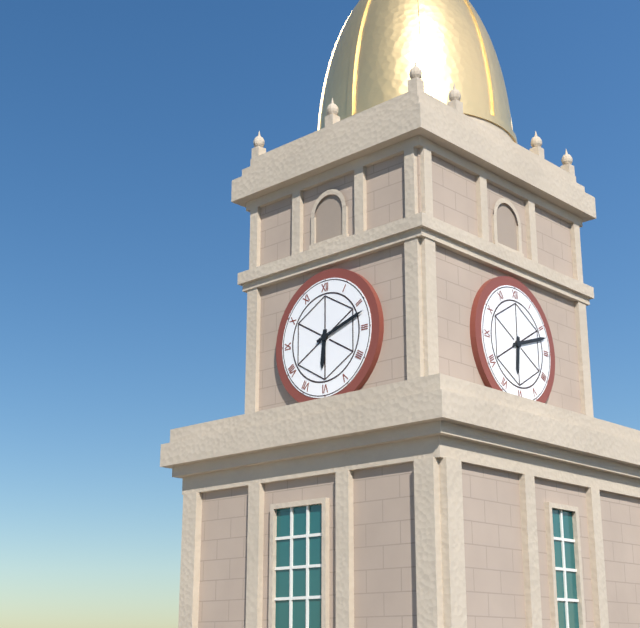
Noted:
6:12
